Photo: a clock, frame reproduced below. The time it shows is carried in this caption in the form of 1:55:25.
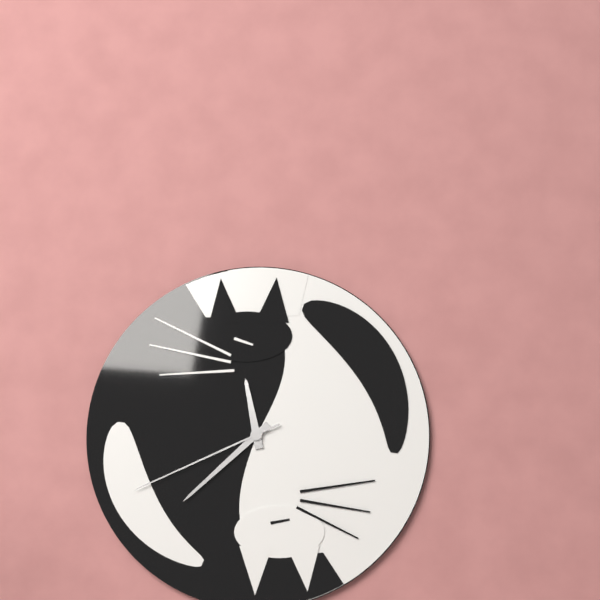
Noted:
11:38:41
